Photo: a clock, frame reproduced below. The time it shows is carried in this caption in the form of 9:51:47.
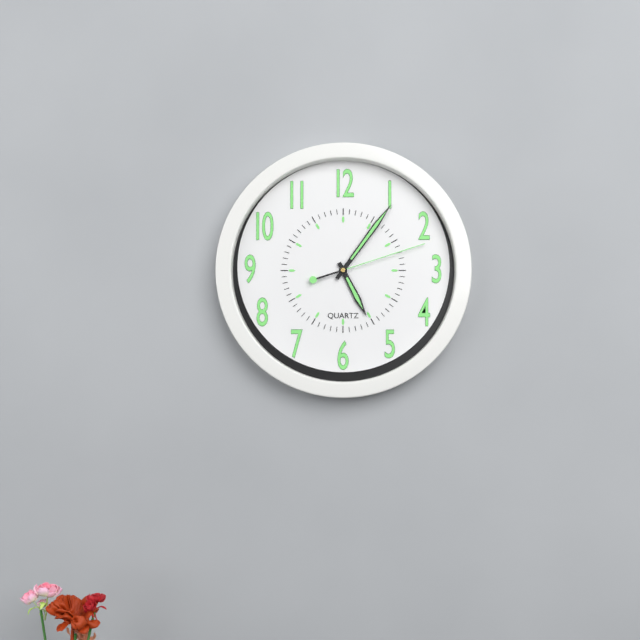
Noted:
5:06:12
